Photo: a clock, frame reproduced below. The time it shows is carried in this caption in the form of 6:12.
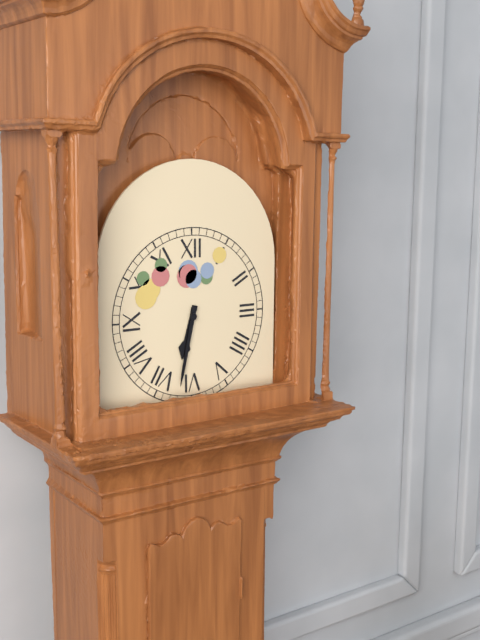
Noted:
6:32
